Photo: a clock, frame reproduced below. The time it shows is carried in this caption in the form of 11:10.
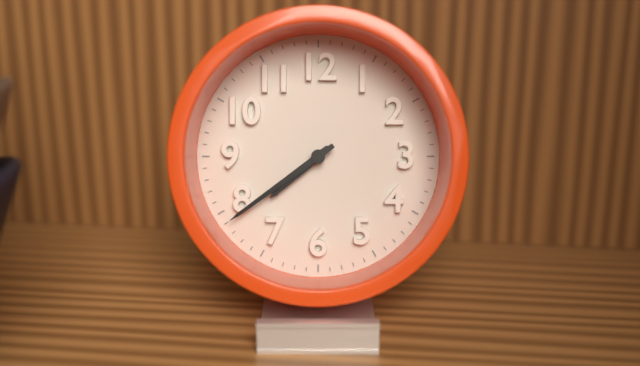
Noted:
7:39
